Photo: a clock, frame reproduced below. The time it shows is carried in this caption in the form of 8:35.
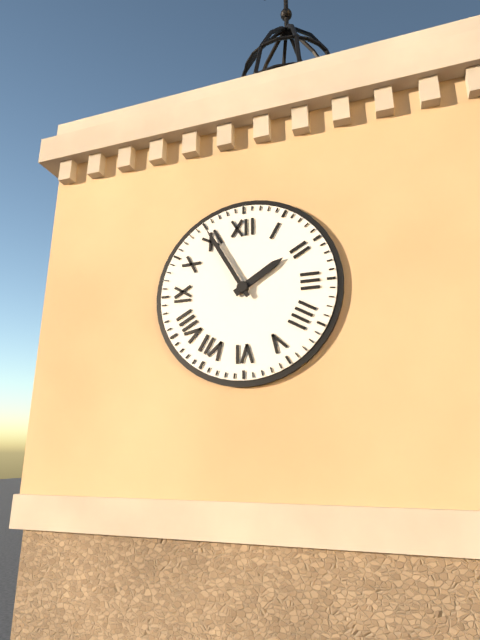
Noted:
1:55
